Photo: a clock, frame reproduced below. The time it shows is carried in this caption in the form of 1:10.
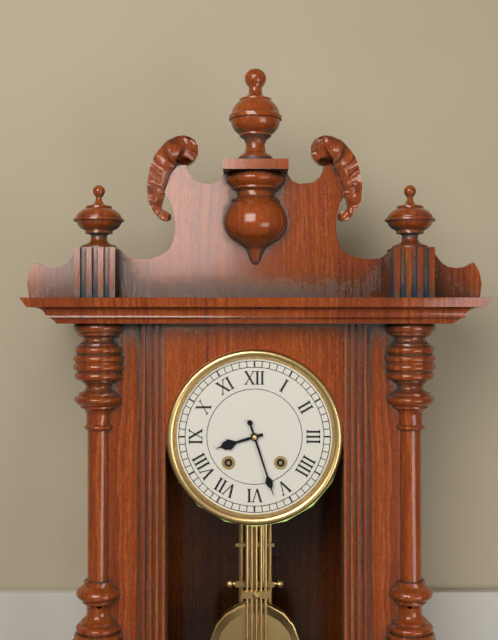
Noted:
8:27
